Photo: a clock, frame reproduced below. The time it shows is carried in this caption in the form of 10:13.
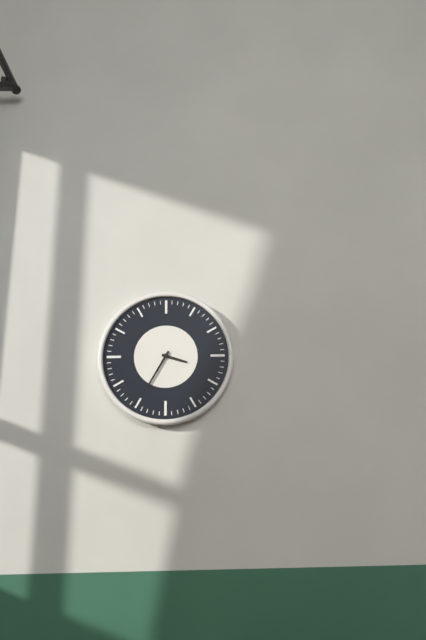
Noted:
3:35
